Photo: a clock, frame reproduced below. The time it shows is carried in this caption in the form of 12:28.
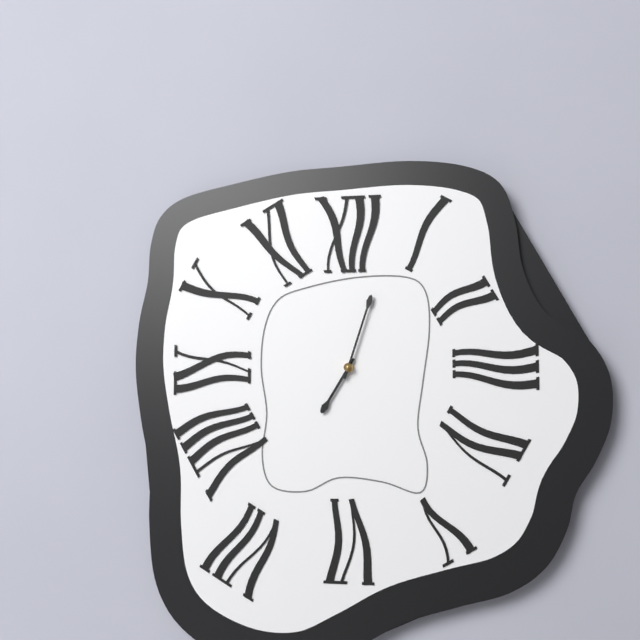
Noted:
7:03
